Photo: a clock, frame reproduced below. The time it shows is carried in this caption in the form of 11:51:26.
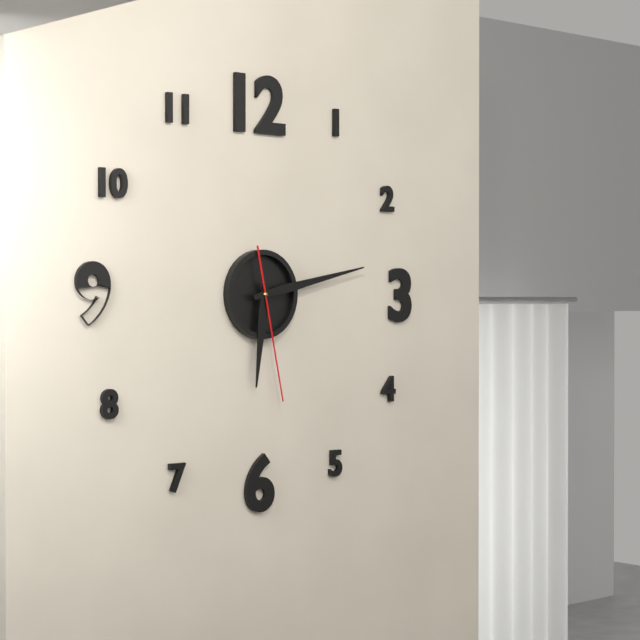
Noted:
6:13:28
